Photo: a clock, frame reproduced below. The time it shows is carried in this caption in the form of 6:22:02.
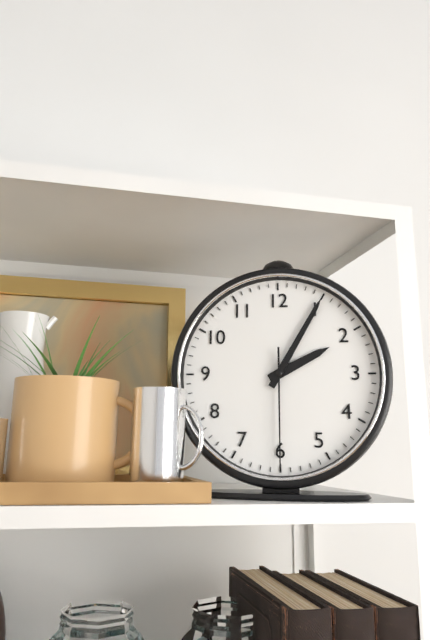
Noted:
2:05:30
